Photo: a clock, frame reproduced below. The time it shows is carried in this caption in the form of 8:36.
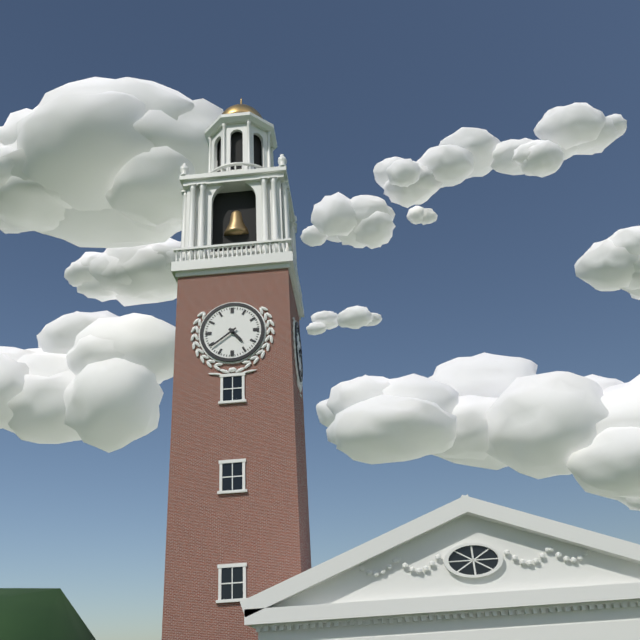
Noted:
4:39
